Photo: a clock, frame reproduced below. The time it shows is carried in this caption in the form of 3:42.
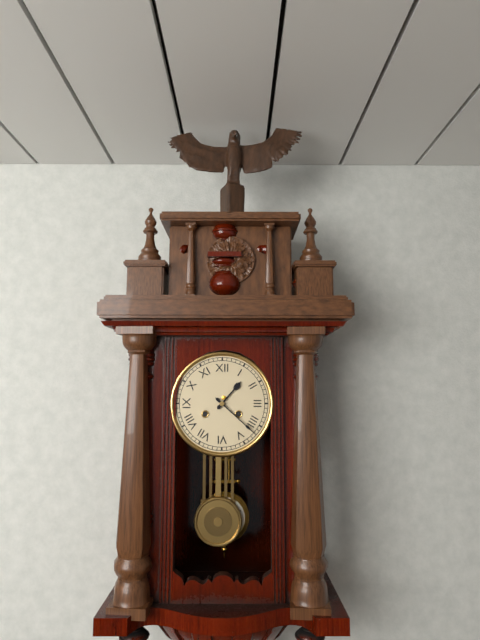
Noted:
1:22
